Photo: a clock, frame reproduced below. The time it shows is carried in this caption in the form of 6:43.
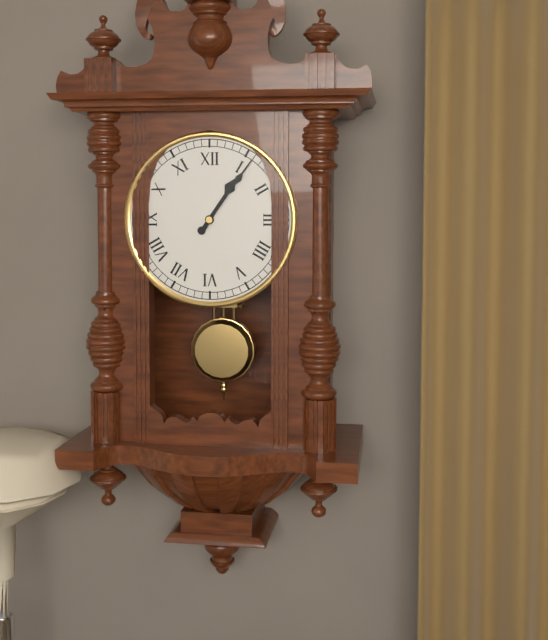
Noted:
1:06
